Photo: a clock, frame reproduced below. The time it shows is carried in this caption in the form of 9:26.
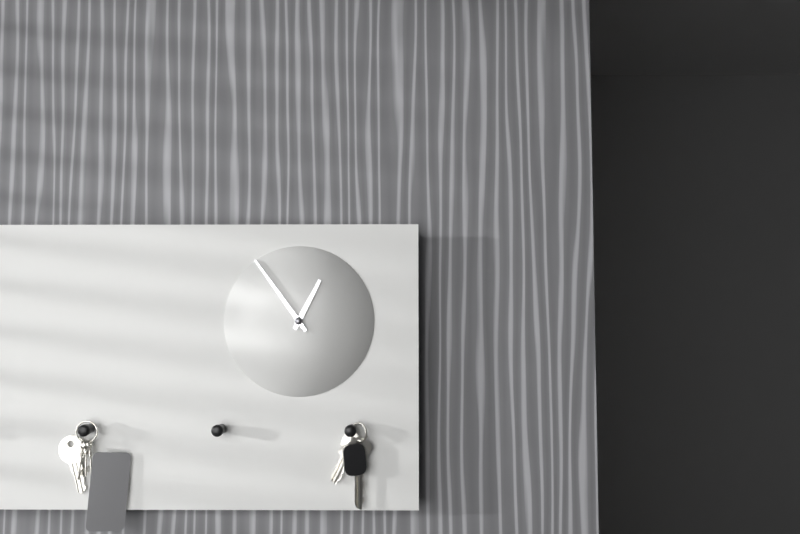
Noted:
12:54
